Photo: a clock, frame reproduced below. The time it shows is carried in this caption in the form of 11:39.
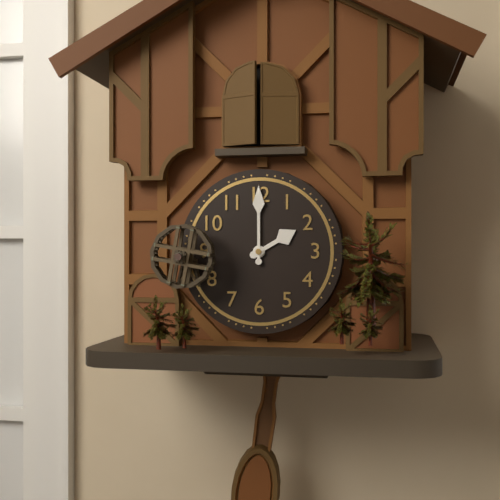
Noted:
2:00
